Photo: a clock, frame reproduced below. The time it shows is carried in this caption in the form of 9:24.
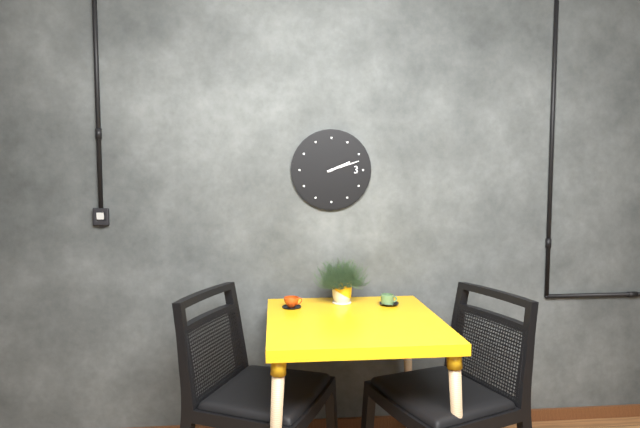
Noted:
2:12
